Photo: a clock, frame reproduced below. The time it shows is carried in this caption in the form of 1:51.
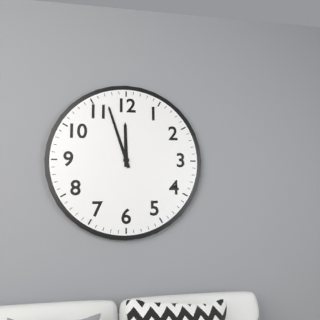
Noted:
11:57
